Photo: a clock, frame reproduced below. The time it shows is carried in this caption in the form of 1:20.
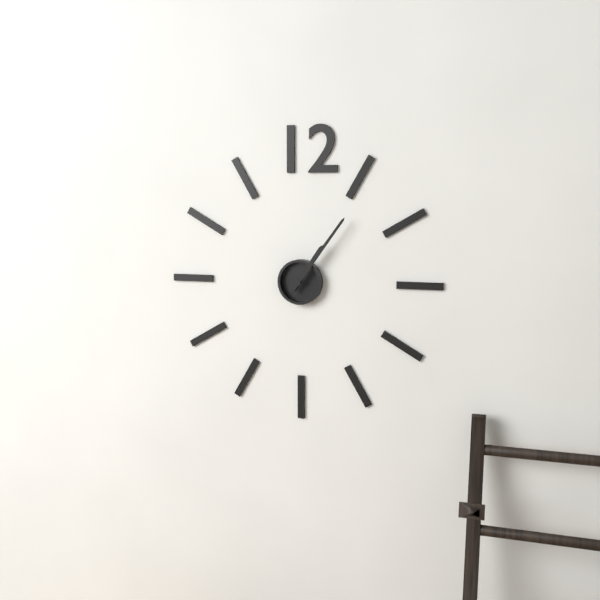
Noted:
1:06
